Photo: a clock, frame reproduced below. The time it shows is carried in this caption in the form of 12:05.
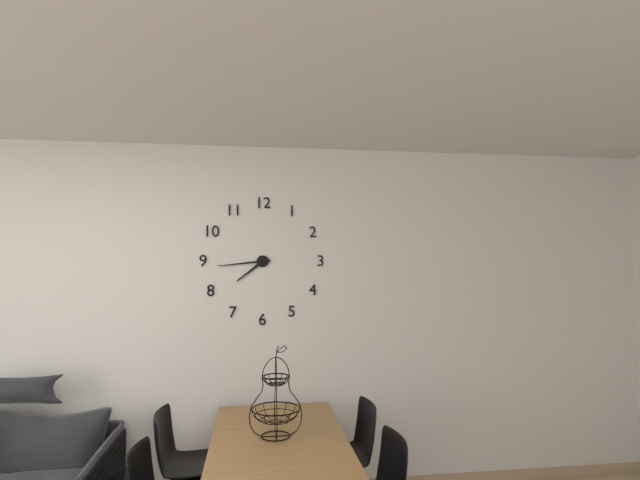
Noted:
7:44
